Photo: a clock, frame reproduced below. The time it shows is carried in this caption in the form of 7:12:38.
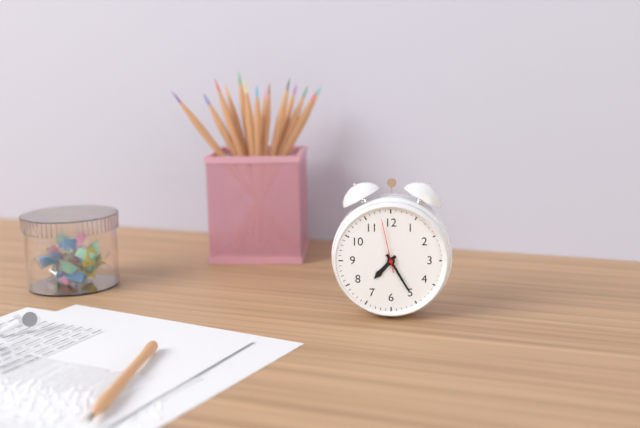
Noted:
7:25:58
